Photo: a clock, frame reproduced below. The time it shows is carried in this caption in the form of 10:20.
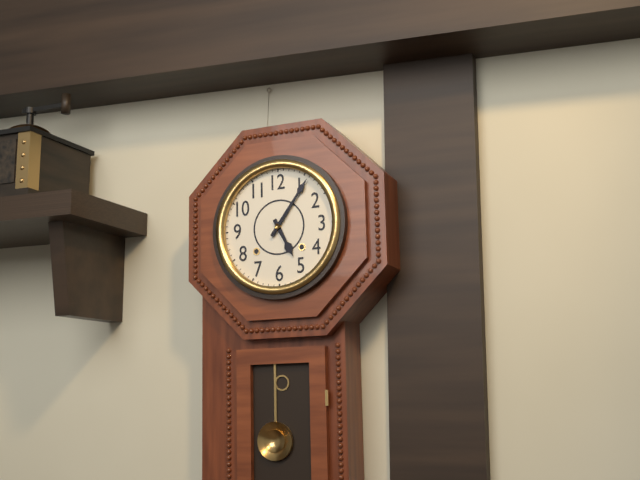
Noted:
5:06
